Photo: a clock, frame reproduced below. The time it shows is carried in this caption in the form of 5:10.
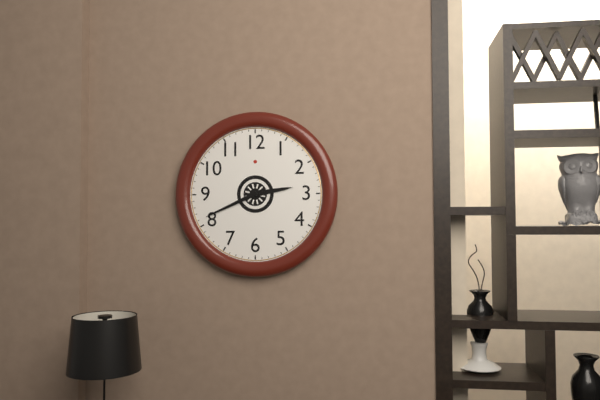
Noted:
2:41
